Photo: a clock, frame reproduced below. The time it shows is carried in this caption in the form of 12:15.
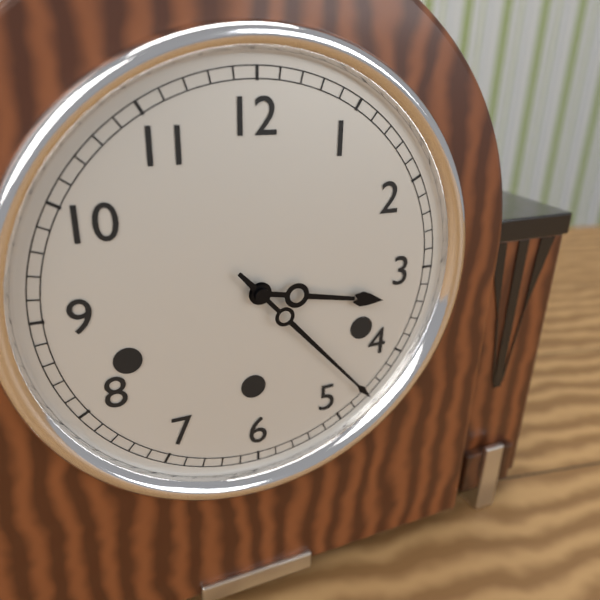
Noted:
3:23
